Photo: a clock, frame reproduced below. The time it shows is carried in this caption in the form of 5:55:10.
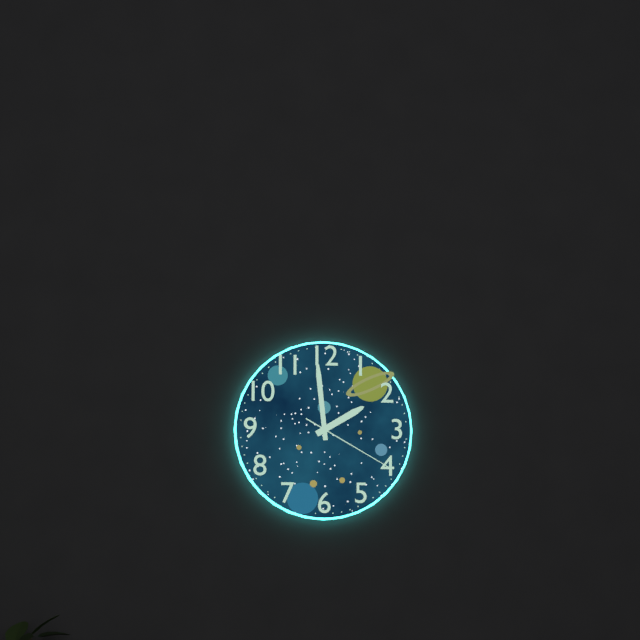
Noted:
1:59:20
